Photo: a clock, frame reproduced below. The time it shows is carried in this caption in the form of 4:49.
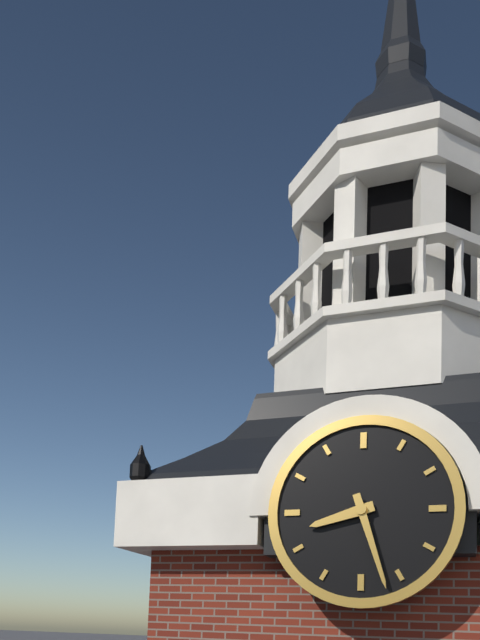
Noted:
8:27
